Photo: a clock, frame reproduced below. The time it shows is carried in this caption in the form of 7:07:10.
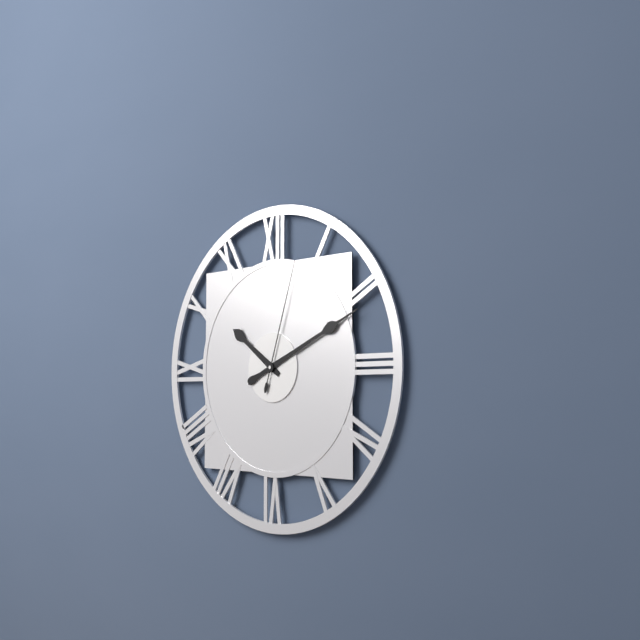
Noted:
10:11:03
